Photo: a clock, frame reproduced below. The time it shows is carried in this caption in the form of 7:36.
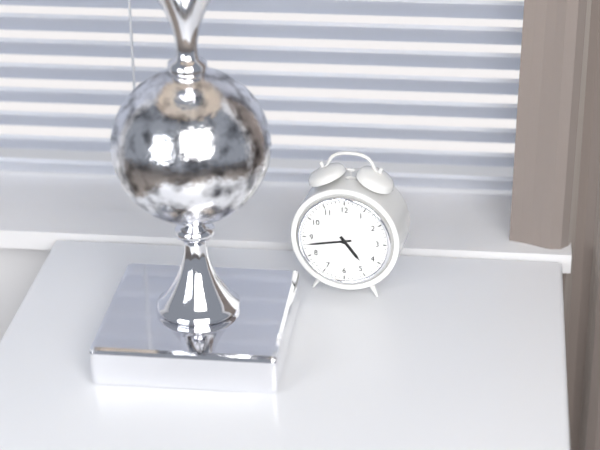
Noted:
4:43
